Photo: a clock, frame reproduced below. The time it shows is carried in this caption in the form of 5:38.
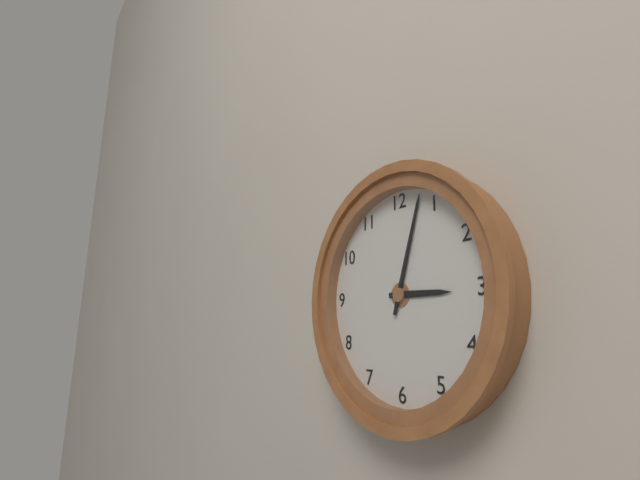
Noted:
3:03
